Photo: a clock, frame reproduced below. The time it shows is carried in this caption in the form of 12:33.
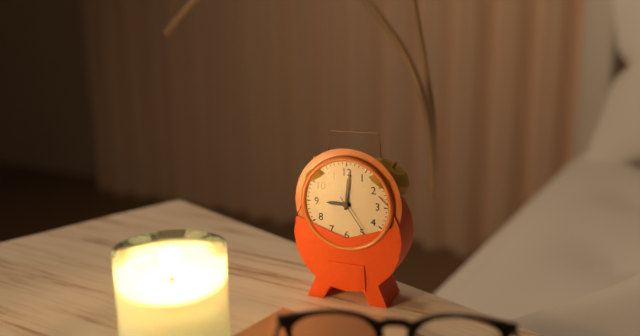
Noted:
9:01
